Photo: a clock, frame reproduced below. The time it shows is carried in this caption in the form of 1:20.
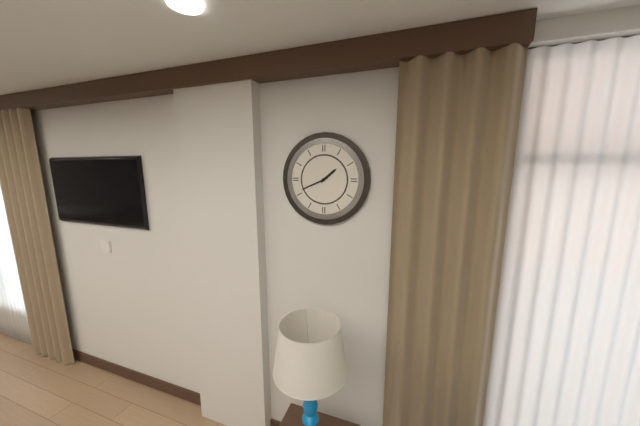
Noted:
1:41
